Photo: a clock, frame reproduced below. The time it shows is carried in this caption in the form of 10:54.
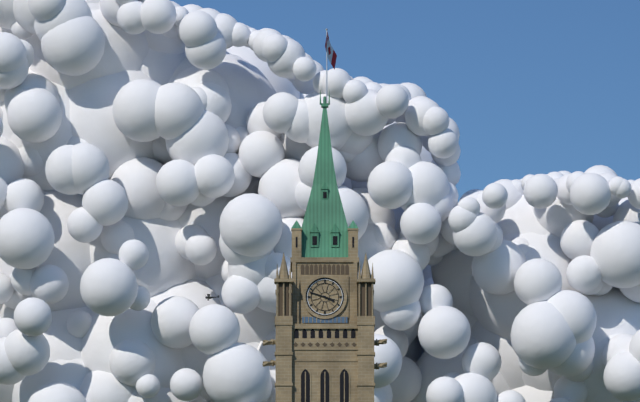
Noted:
3:48
